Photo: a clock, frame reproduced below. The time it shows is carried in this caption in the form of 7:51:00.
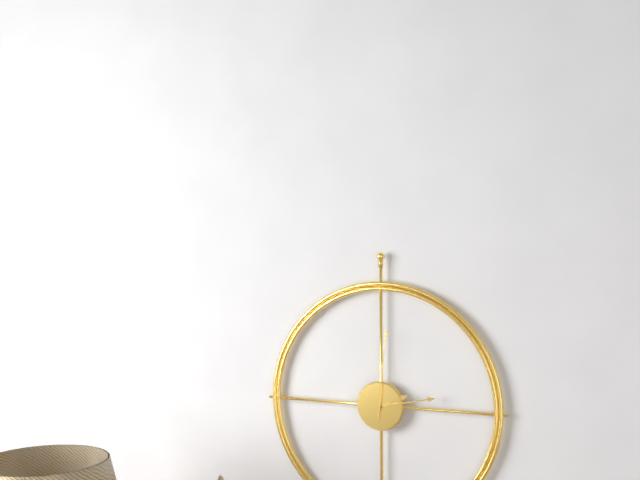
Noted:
2:13:01
